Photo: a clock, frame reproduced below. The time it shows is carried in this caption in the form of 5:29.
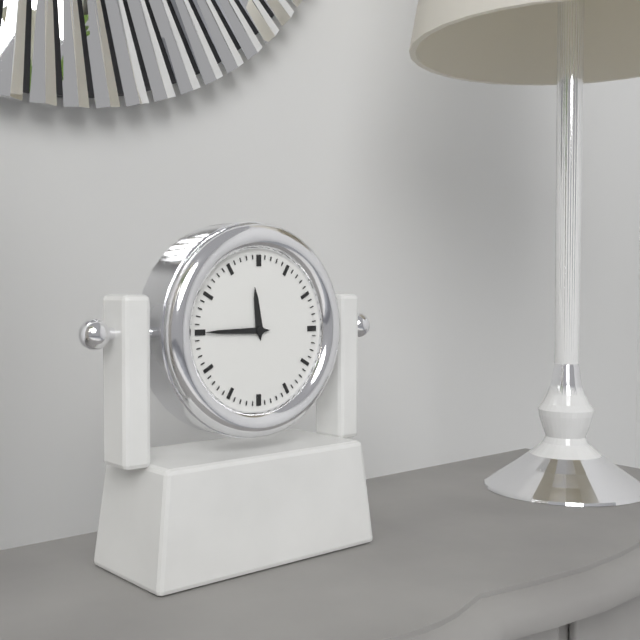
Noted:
11:45
